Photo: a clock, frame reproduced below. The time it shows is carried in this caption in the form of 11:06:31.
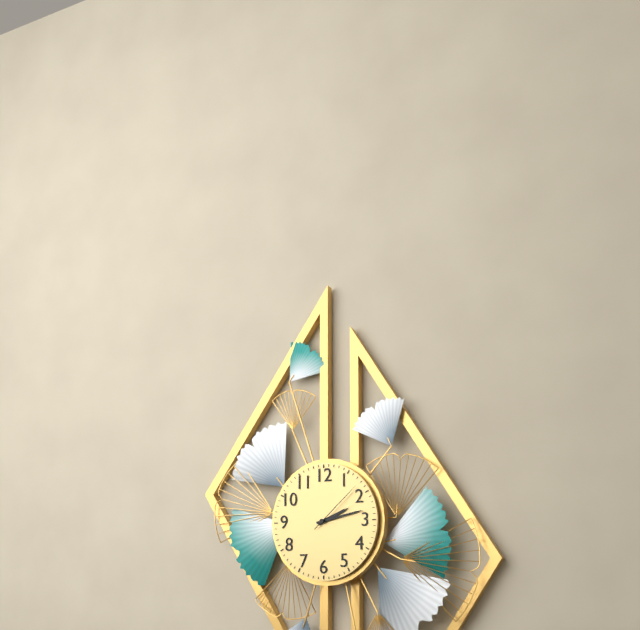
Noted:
2:13:08
